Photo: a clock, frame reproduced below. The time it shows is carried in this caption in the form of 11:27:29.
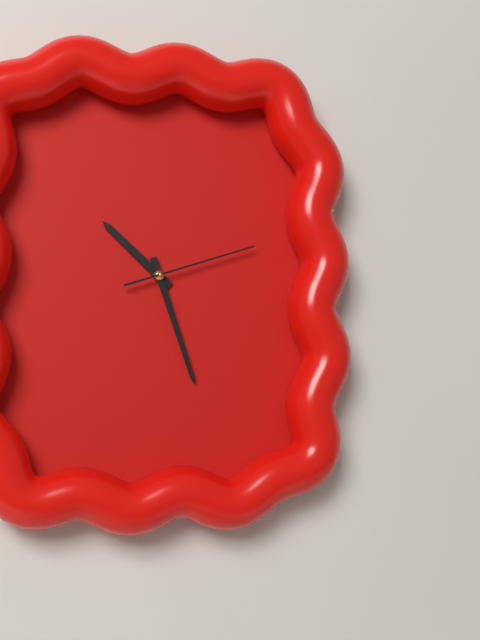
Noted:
10:27:12
